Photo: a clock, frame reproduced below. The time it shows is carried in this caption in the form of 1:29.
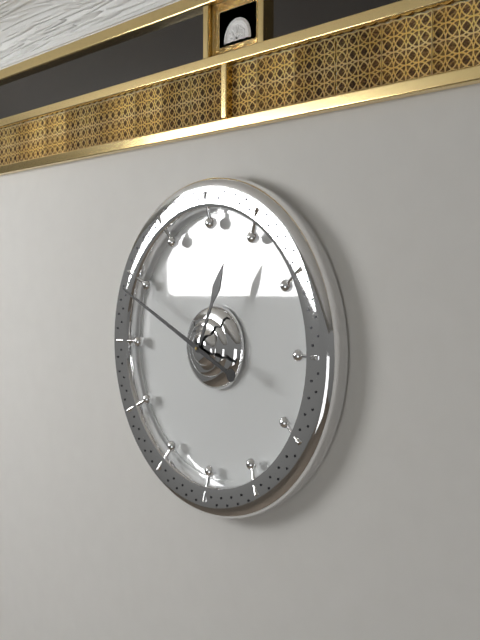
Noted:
12:49
